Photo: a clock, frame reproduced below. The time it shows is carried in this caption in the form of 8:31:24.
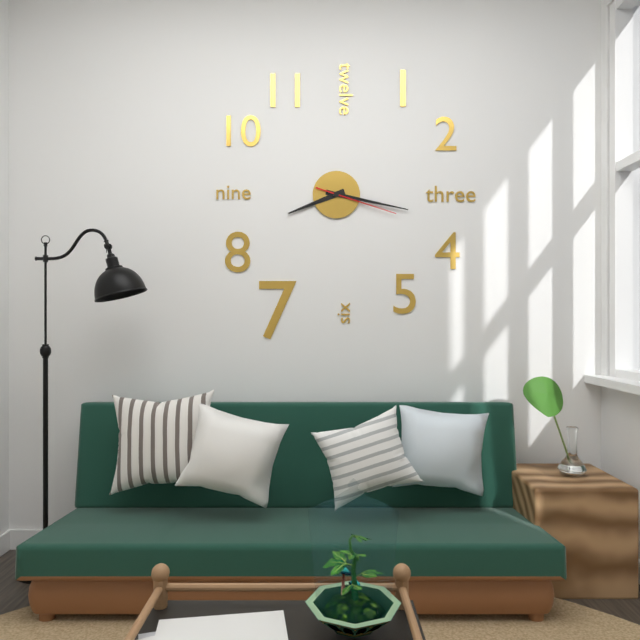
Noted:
8:17:18
